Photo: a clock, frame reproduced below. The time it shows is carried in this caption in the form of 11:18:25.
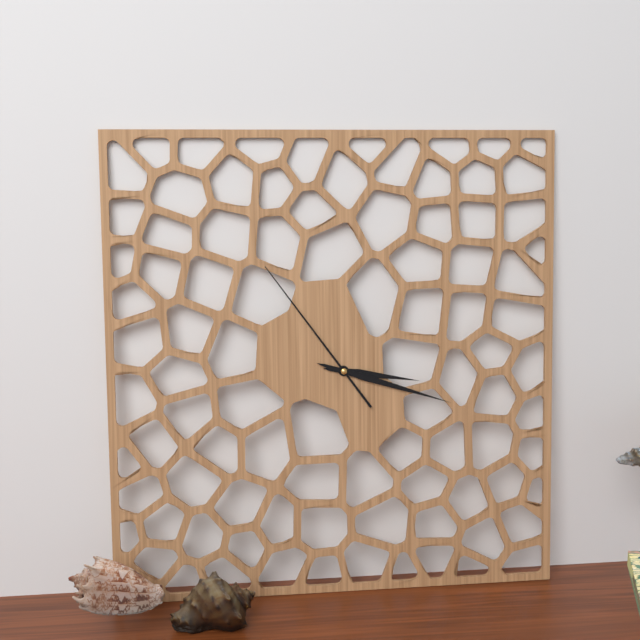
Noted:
3:18:54
